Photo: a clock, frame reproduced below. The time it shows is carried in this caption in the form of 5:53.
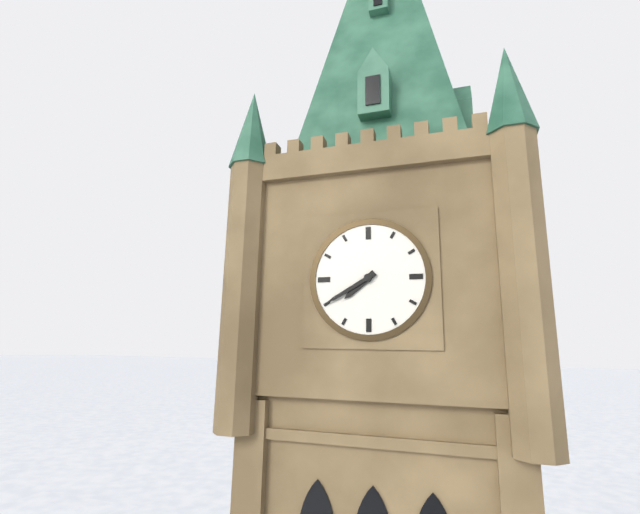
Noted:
7:40
